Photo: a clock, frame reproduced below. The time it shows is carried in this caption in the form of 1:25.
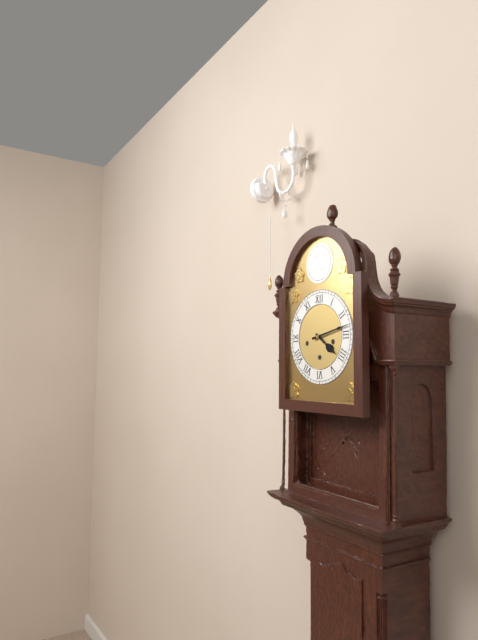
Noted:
4:13
